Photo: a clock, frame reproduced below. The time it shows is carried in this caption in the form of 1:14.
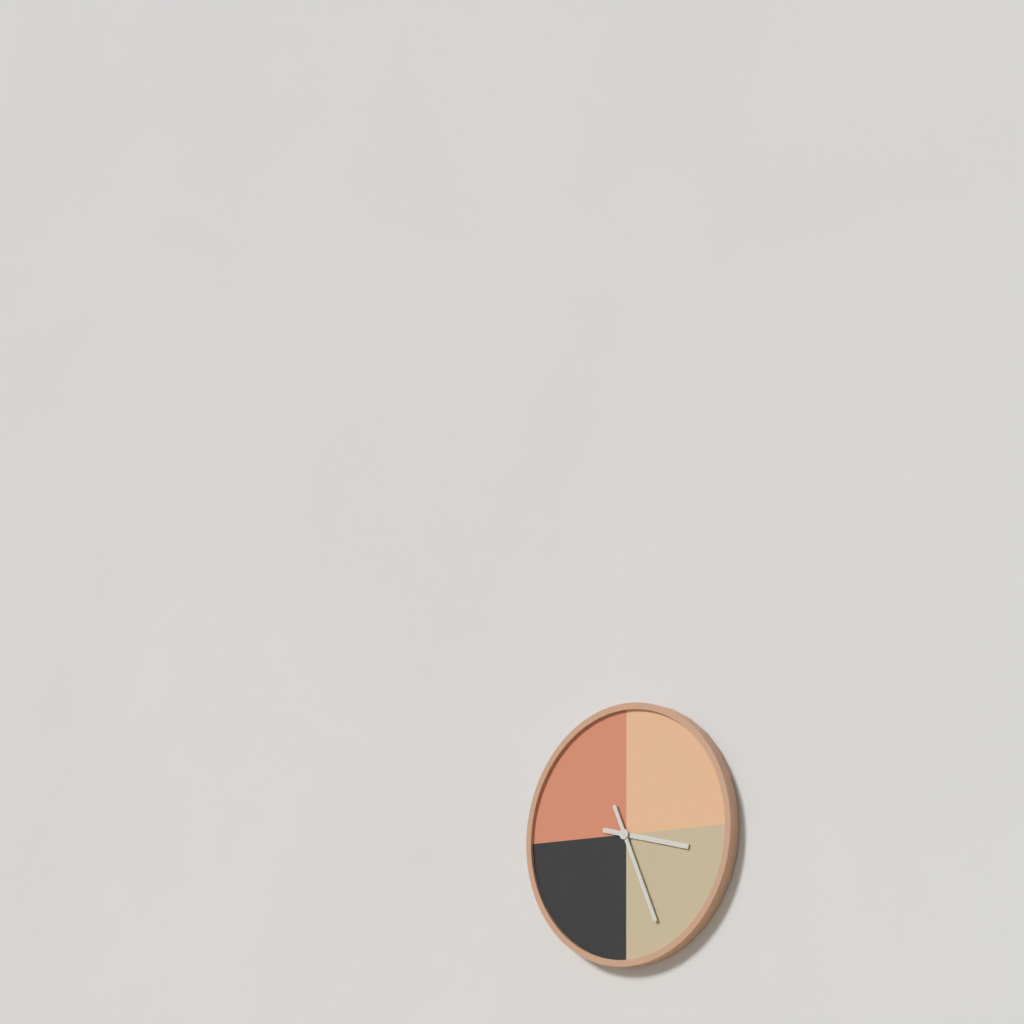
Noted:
3:26
